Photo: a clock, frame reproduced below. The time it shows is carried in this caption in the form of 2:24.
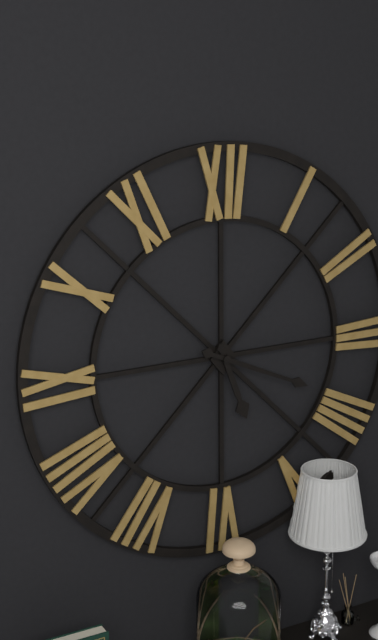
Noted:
5:19
